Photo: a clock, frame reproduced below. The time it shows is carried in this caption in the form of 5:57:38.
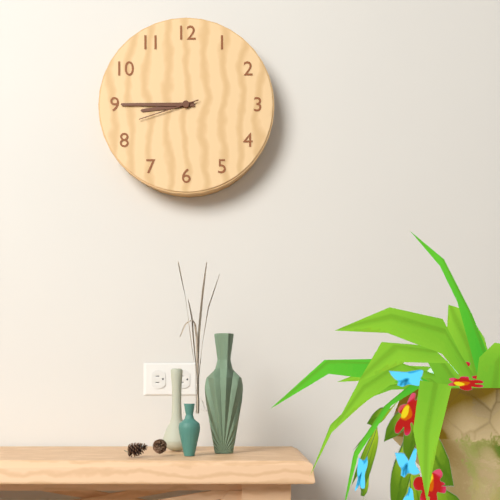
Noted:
8:45:42
